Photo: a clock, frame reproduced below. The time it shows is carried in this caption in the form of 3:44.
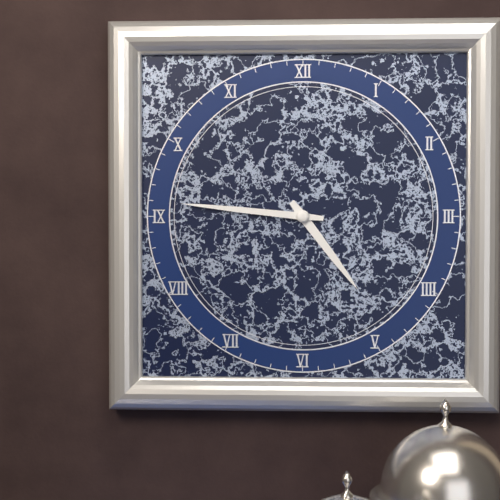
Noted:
4:46
